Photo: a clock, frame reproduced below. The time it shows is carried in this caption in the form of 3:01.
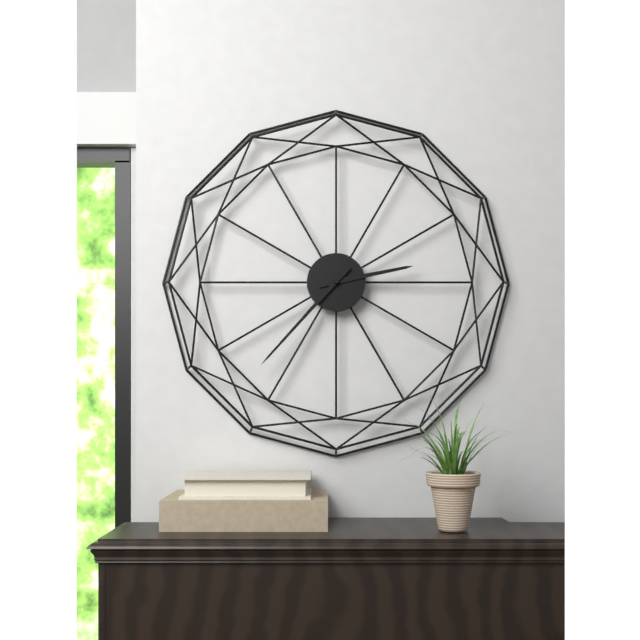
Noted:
2:37
